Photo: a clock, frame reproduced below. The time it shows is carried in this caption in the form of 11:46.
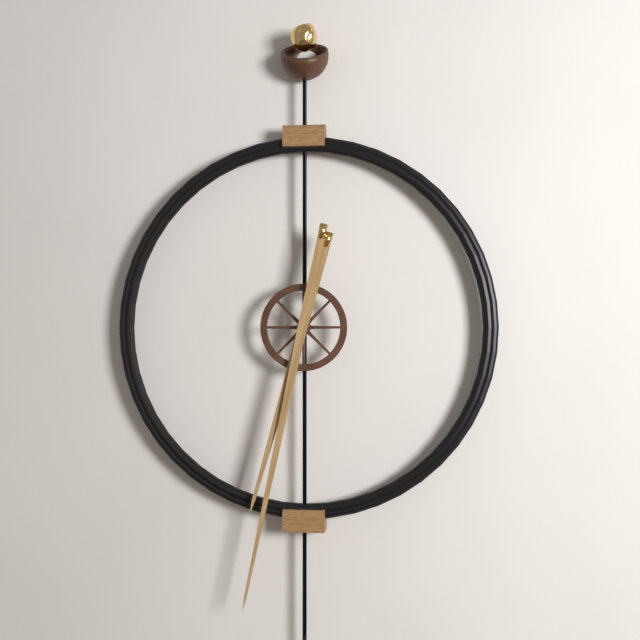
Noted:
6:32
